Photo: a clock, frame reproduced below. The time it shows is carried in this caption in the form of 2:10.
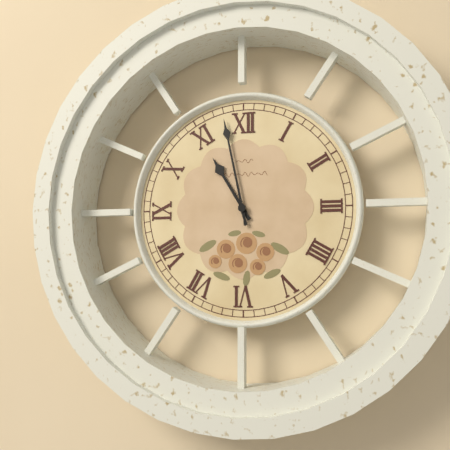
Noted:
10:58
